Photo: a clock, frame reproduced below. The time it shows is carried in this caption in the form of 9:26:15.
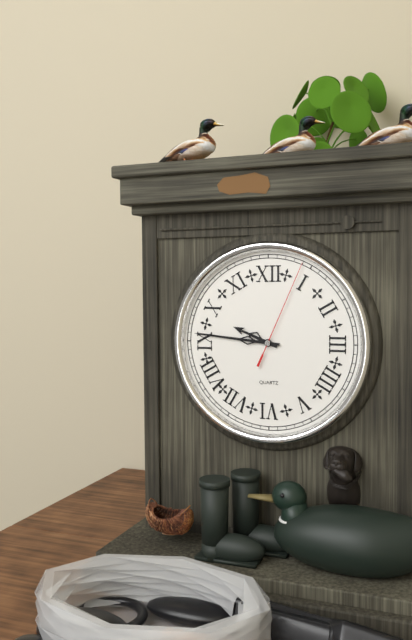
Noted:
9:46:04
